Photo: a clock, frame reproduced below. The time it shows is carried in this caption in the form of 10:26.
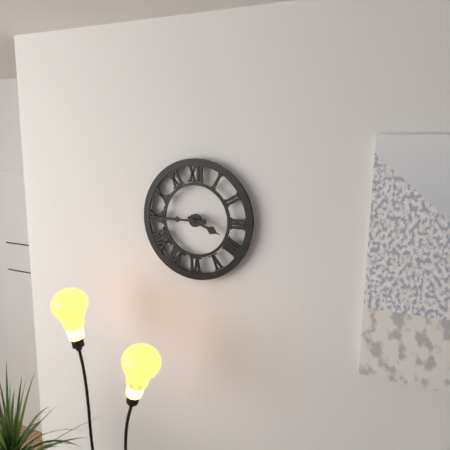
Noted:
3:45
